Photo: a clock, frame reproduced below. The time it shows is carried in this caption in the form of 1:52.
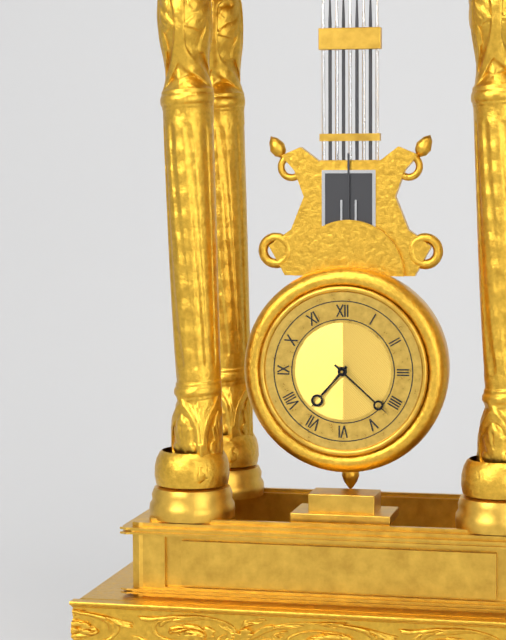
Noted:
7:22
